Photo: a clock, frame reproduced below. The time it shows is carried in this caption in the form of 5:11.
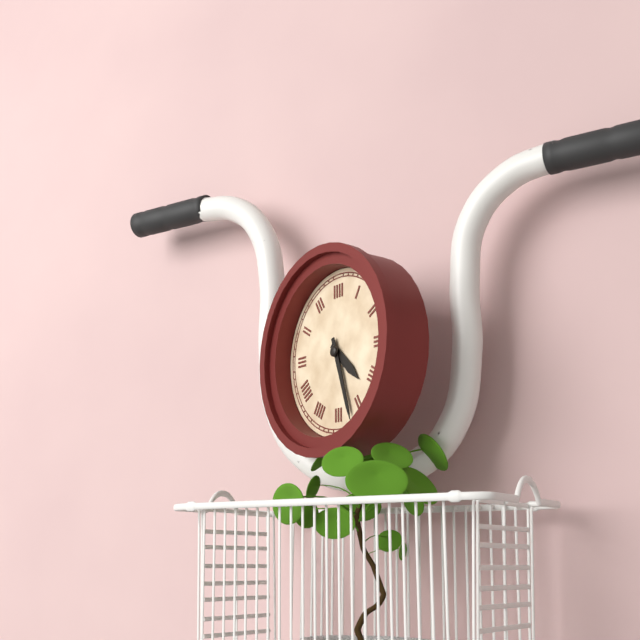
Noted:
4:27
